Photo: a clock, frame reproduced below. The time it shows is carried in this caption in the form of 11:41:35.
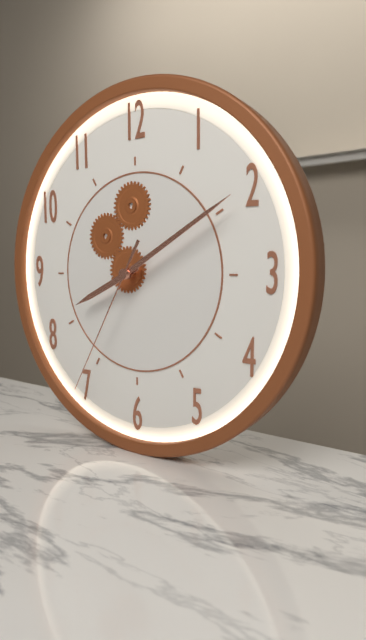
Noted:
8:10:35
